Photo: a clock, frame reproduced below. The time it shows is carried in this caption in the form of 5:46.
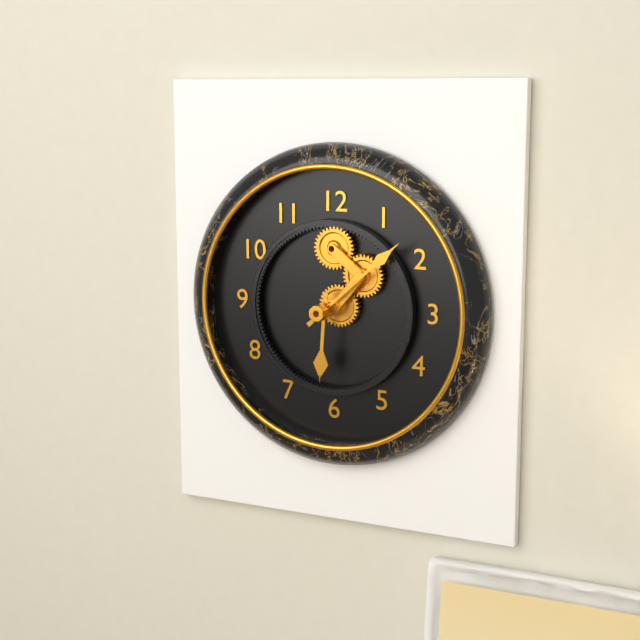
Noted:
6:08
